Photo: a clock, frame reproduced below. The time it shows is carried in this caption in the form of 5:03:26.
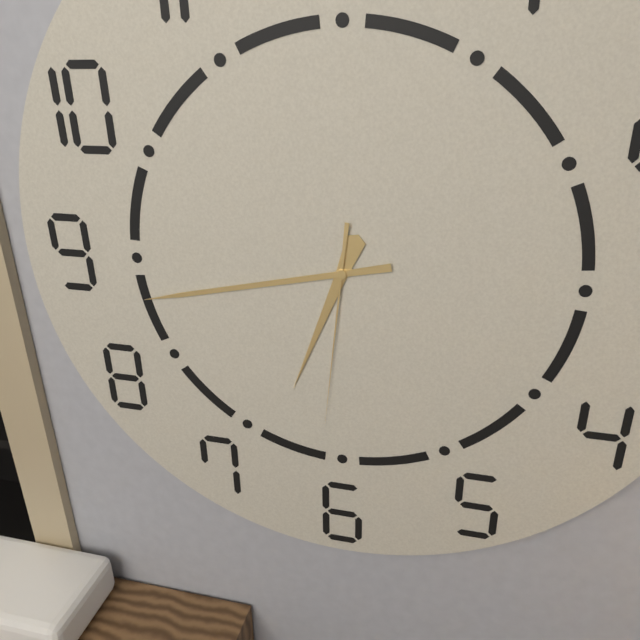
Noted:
6:43:31
